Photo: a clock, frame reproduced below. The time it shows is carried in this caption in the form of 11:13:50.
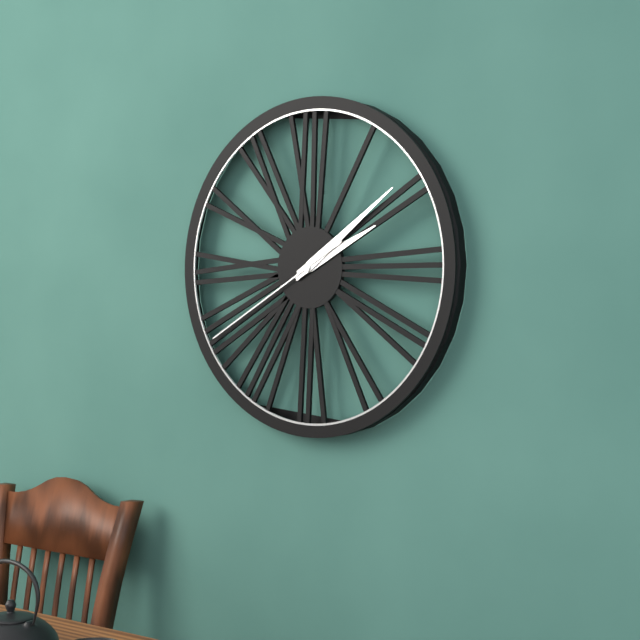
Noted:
2:09:40
